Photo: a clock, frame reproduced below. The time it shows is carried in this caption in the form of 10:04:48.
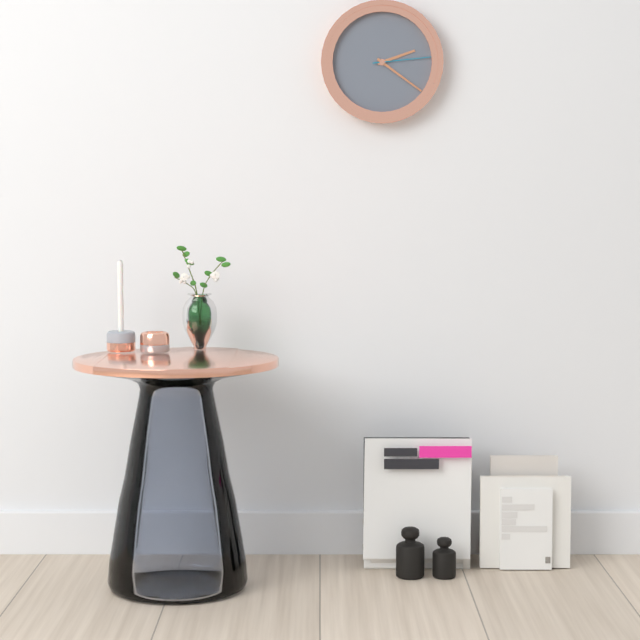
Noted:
2:21:14
